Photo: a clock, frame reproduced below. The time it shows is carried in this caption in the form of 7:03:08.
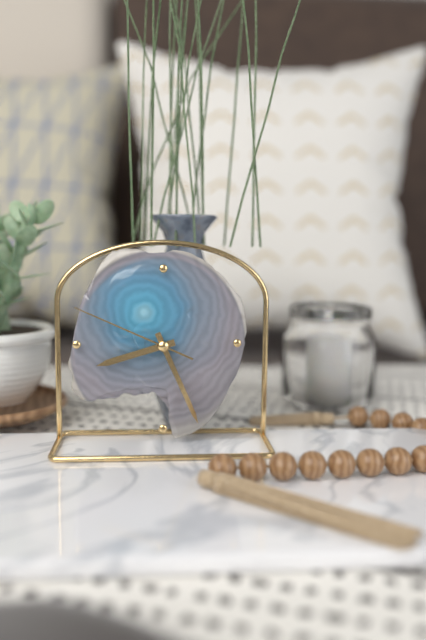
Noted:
8:26:49
